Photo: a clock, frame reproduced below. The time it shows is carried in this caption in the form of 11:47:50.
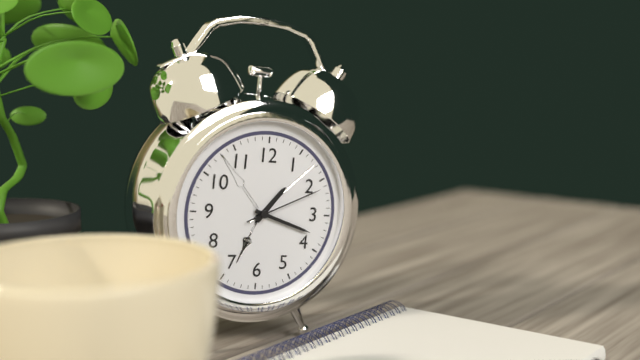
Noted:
1:18:11
